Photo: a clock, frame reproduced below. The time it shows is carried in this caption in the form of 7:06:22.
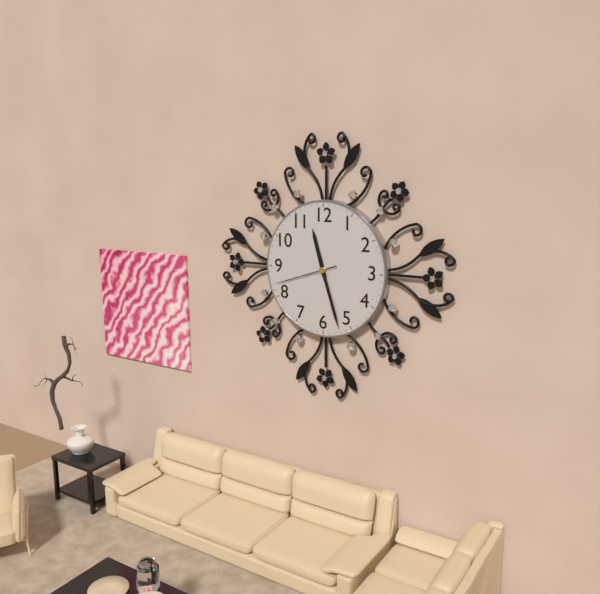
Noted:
11:27:42
